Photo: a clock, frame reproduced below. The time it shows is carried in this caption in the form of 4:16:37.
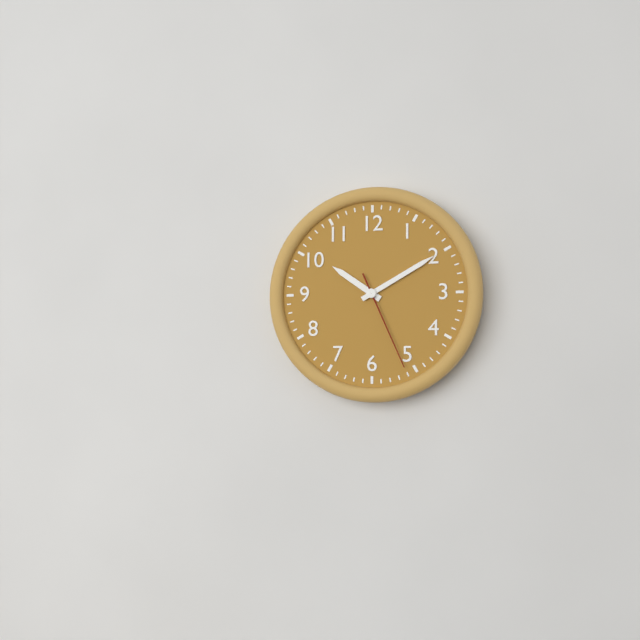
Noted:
10:10:26
